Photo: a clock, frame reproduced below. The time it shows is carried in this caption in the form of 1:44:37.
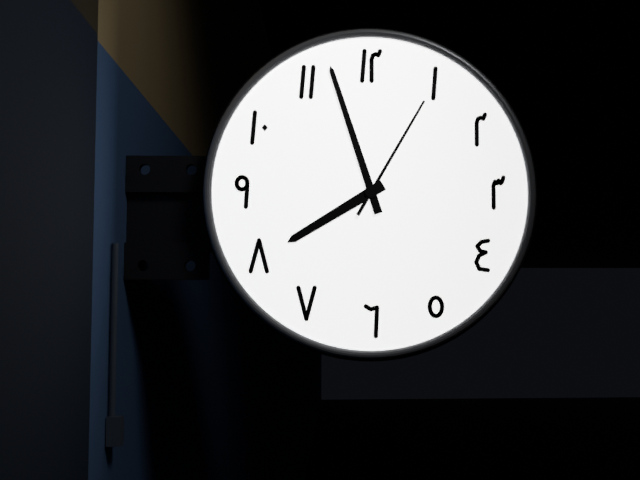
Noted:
7:57:05
